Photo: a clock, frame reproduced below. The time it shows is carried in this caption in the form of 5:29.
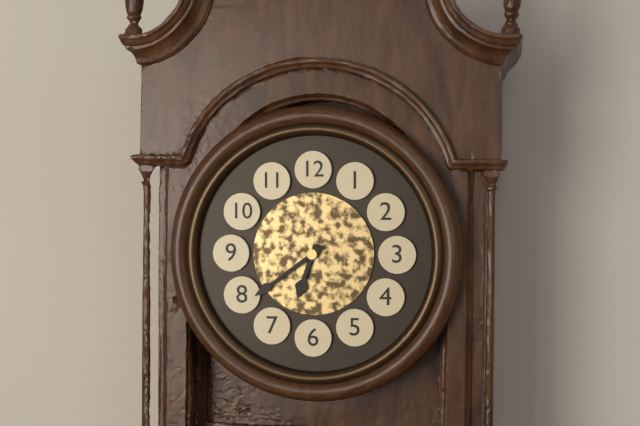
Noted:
6:39
